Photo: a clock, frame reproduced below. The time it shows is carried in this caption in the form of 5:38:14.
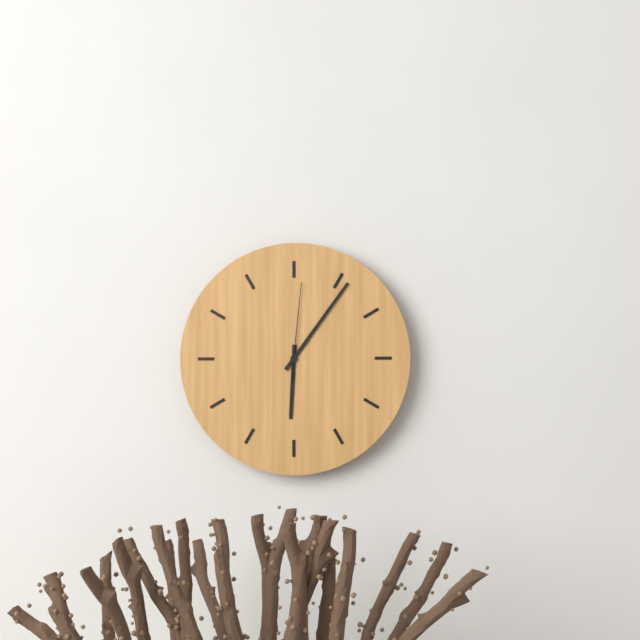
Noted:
6:06:01
